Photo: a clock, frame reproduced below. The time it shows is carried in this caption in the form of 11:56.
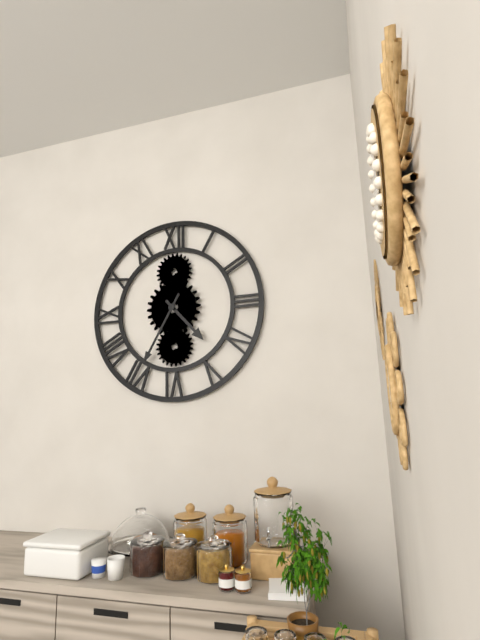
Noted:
4:35
